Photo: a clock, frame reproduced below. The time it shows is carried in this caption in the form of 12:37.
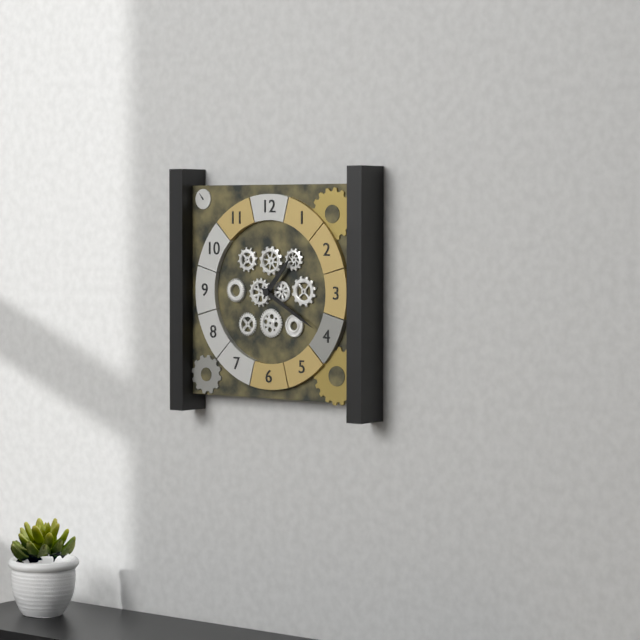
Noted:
1:20
